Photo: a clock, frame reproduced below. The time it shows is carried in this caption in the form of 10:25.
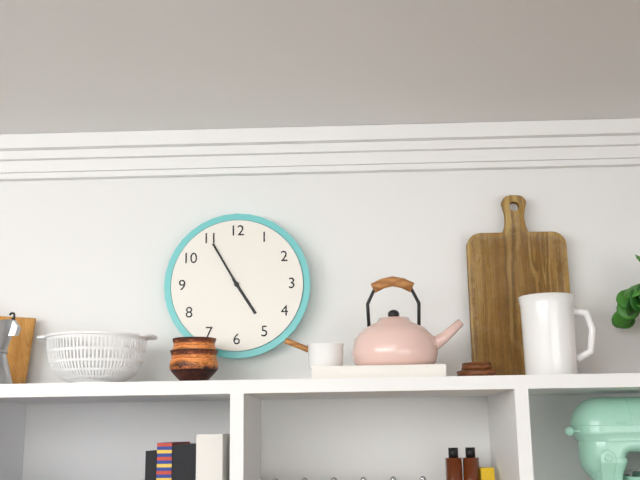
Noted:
4:55
